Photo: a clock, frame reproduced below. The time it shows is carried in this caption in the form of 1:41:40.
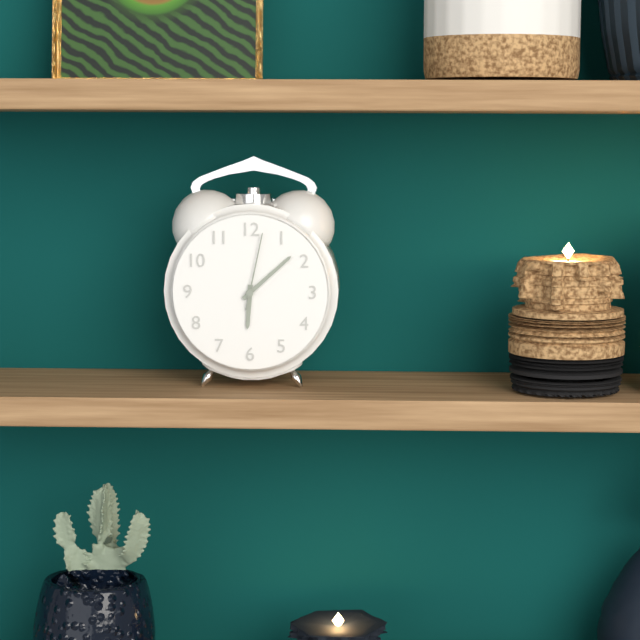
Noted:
6:08:02
